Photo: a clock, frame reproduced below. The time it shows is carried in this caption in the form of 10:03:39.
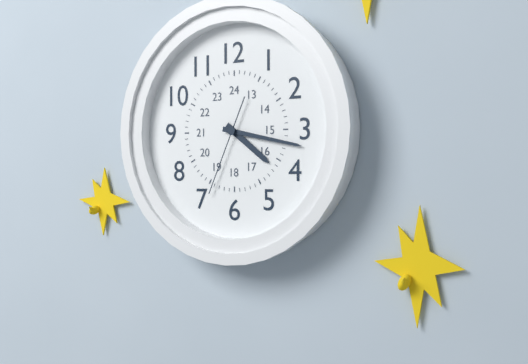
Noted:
4:17:34
